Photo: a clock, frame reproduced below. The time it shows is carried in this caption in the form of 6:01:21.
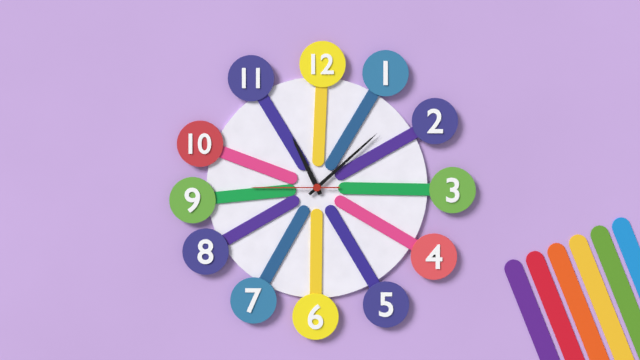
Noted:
11:08:45
